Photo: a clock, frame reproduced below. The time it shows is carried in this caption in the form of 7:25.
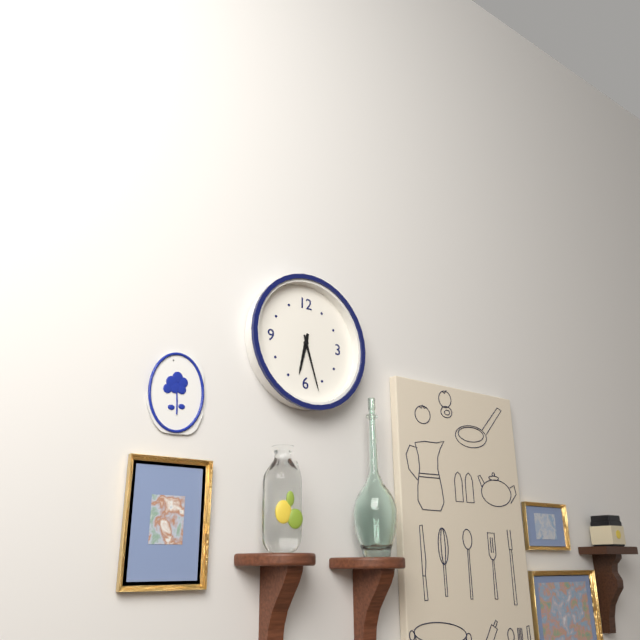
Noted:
6:27
